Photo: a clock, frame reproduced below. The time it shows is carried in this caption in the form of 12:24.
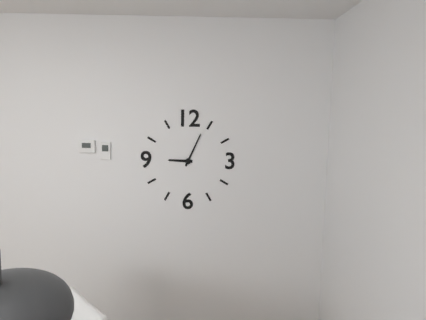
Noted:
9:04
